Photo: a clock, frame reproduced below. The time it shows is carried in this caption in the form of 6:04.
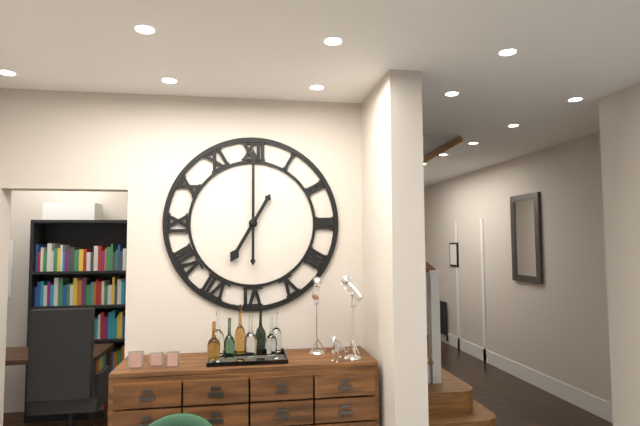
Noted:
7:00
